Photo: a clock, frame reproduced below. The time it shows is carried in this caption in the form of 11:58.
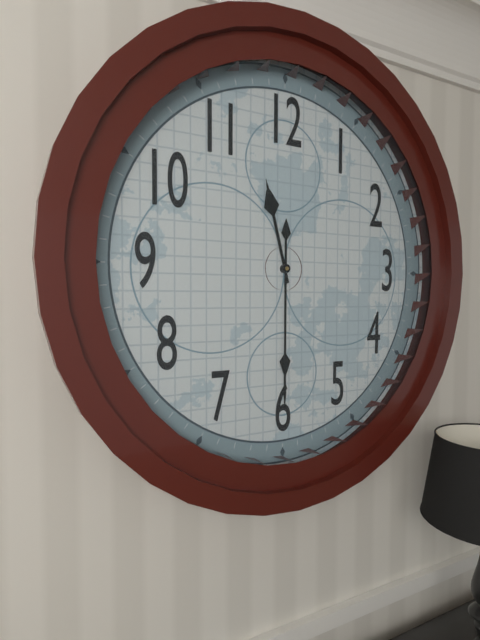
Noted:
11:30
